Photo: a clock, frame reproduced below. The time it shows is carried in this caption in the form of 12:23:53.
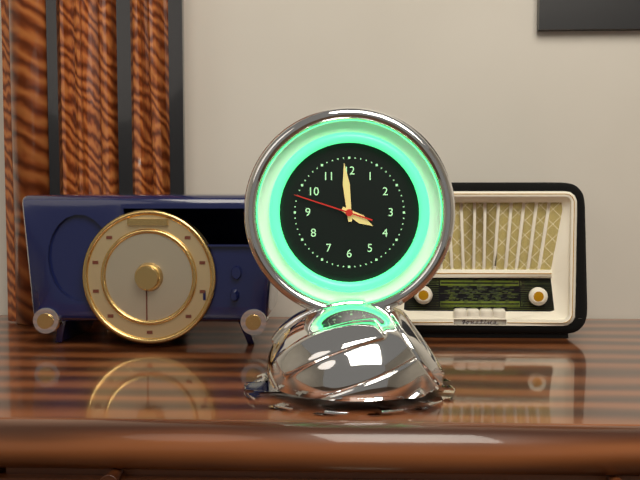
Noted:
3:59:48
